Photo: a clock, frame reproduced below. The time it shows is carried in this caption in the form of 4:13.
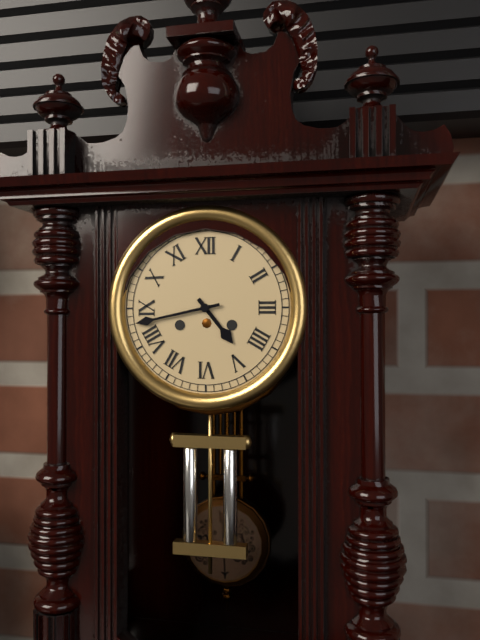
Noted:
4:43
